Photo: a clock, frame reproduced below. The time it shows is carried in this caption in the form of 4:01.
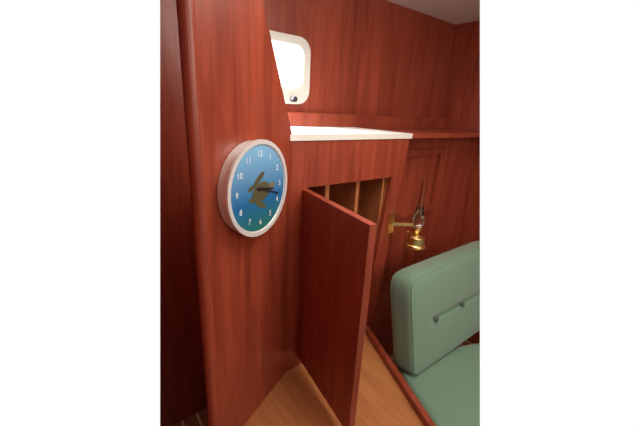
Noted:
3:18
